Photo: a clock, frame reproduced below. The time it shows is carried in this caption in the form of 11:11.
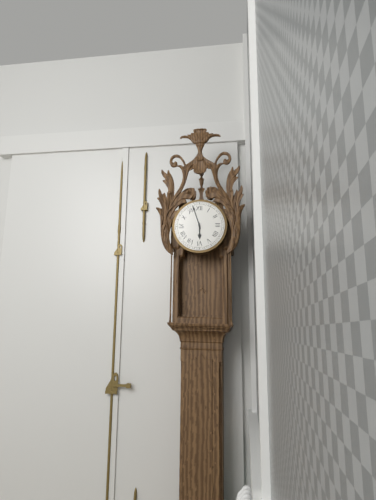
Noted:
5:57
